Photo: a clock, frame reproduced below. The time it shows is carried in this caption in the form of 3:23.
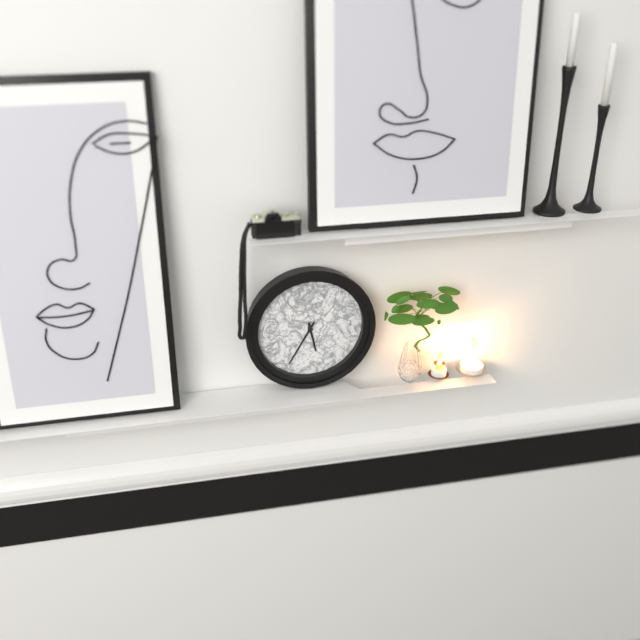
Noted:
5:35
